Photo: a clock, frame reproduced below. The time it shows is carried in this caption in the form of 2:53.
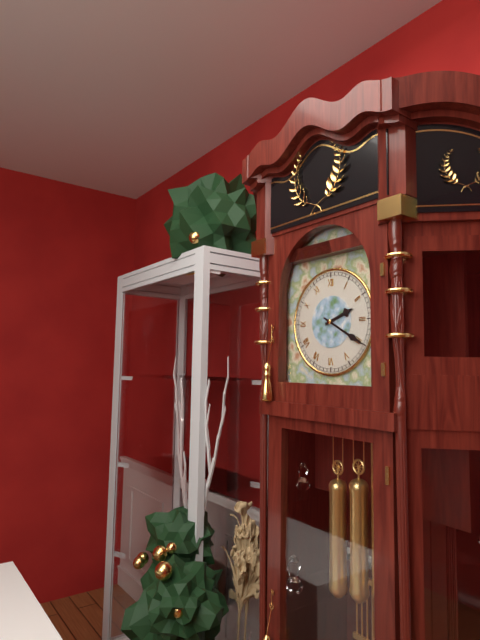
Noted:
2:20
